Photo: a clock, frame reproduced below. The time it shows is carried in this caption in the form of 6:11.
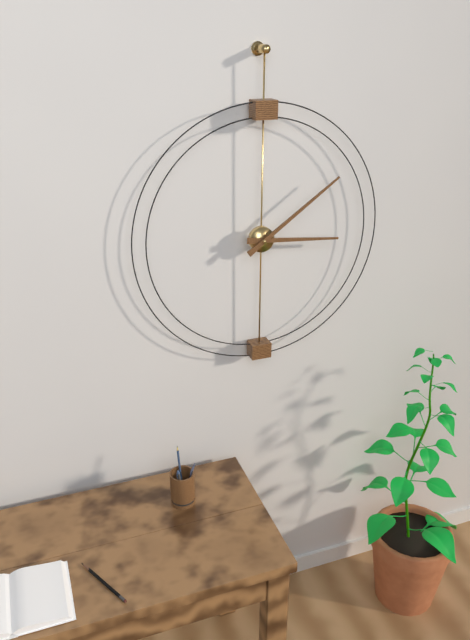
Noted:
3:09
